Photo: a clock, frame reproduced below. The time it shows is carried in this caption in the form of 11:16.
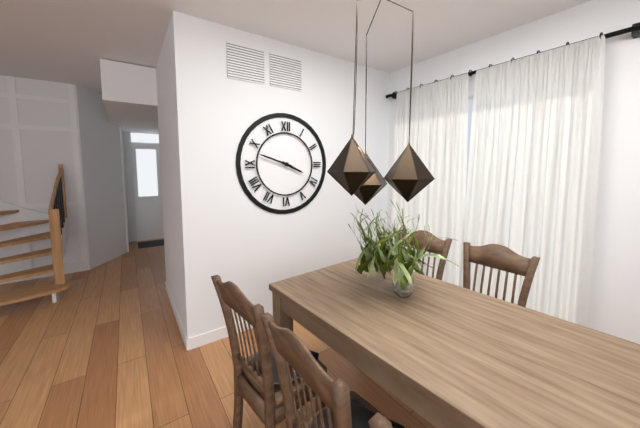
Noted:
3:48
